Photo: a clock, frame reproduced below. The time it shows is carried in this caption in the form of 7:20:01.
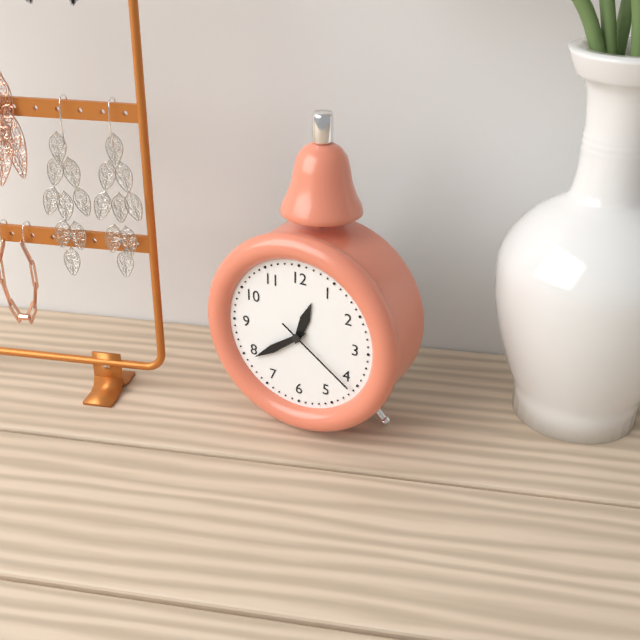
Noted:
12:39:21
